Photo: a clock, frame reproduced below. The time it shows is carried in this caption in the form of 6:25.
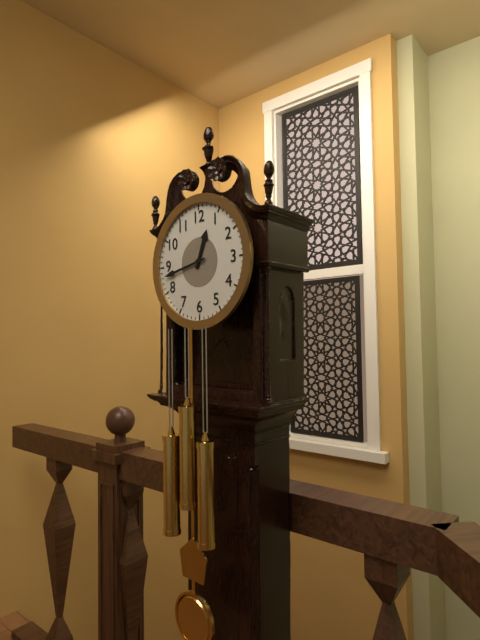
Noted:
12:43
